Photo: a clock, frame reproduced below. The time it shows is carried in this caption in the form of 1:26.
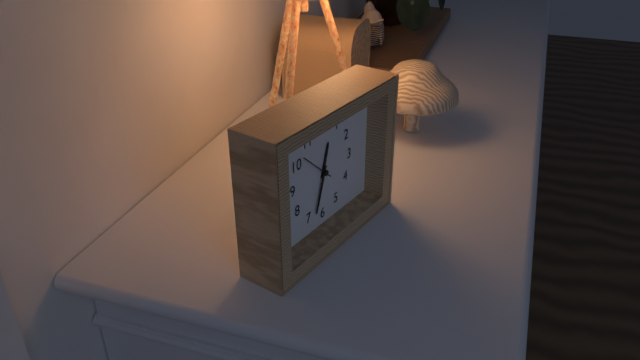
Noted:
12:33
